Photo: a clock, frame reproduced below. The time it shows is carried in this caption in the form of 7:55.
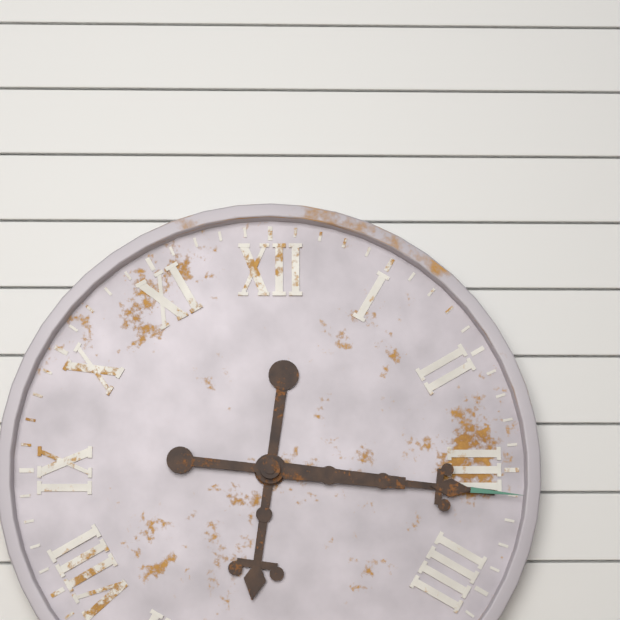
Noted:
6:16
